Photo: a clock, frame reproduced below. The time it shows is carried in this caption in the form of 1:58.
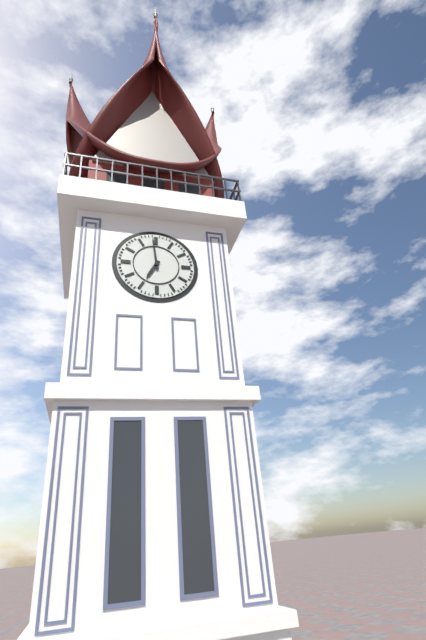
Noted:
6:59
